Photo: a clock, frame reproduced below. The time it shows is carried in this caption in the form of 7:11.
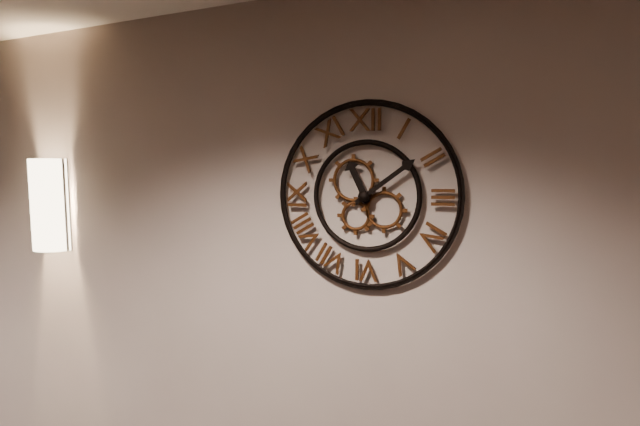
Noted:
11:09
